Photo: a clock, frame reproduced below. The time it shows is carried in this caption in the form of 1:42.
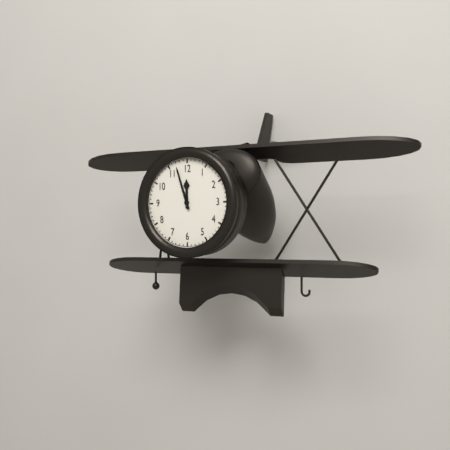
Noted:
11:57
